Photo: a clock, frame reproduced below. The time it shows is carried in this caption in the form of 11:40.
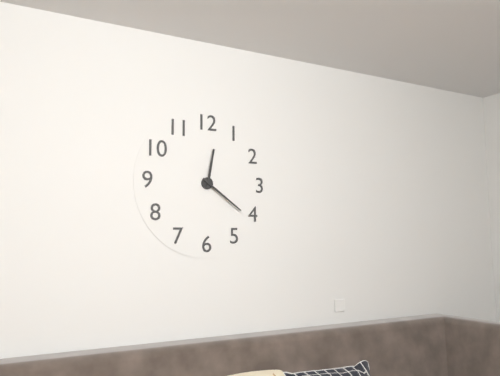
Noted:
12:21
